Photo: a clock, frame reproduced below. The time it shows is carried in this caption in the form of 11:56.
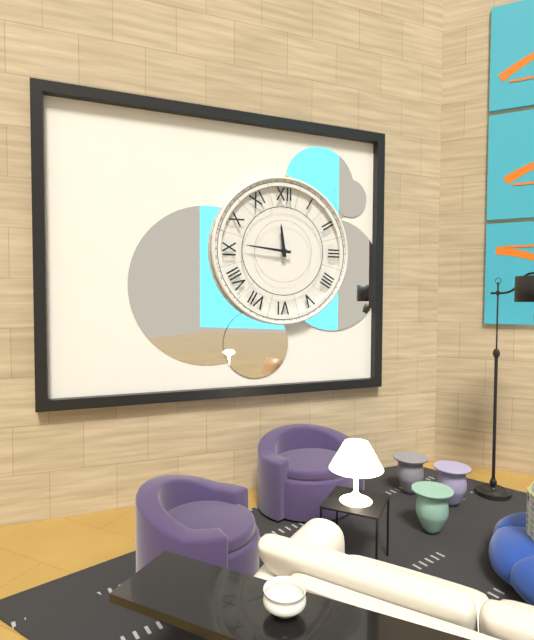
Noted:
11:46
